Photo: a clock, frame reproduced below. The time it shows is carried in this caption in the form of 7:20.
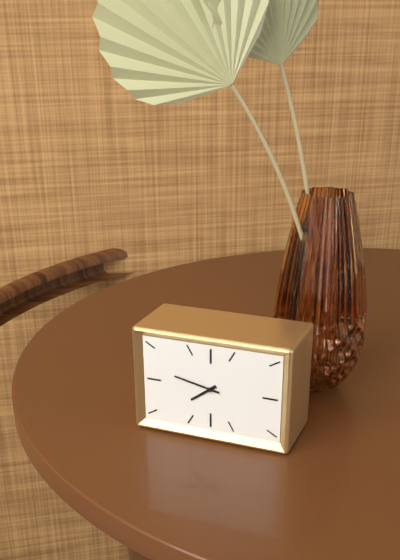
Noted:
7:47
